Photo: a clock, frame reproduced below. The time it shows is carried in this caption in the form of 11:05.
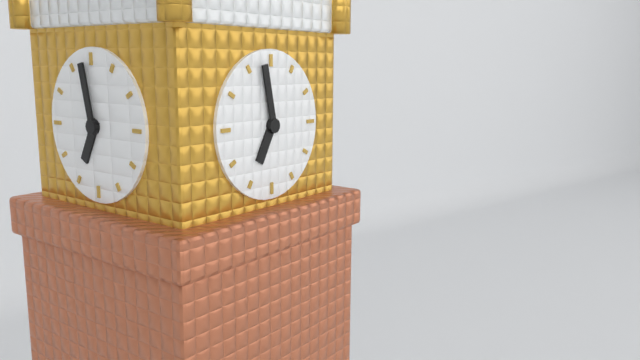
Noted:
6:58
